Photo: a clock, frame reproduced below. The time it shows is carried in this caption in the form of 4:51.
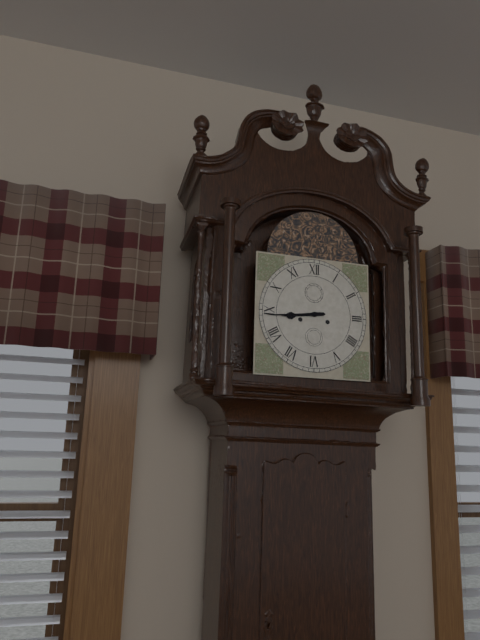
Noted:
8:44
